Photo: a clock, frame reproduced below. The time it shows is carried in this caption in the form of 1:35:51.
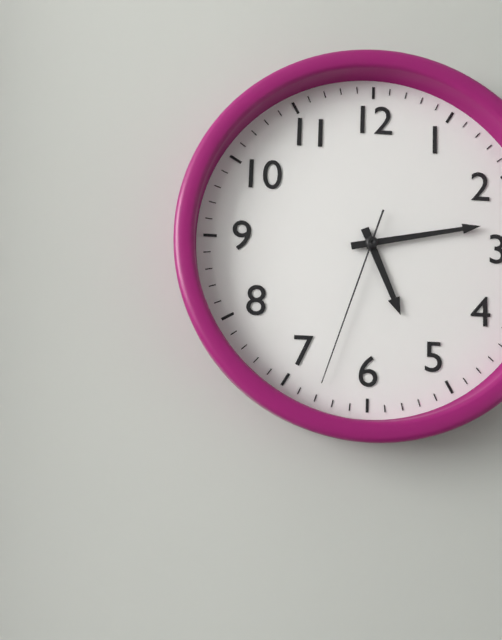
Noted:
5:13:33
